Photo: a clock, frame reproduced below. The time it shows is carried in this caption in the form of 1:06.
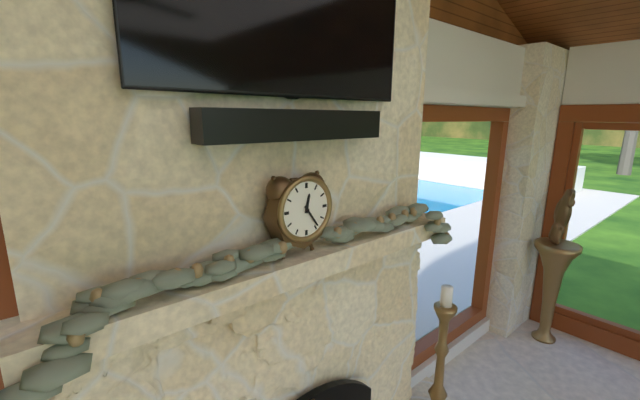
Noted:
12:24
